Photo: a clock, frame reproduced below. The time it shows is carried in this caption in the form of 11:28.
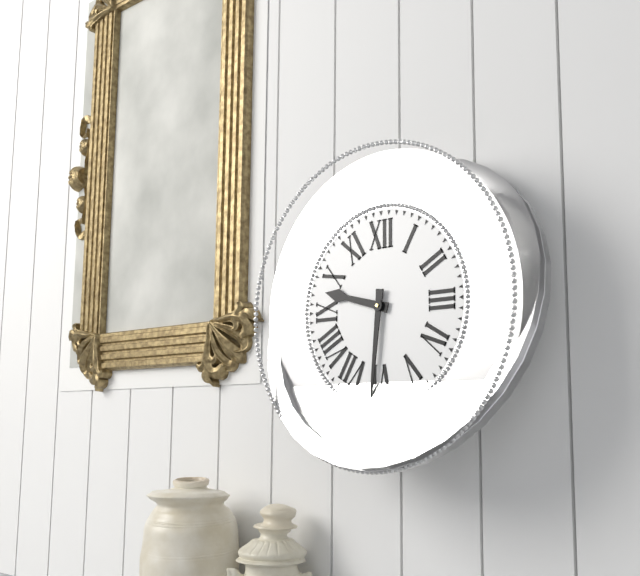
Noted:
9:31
